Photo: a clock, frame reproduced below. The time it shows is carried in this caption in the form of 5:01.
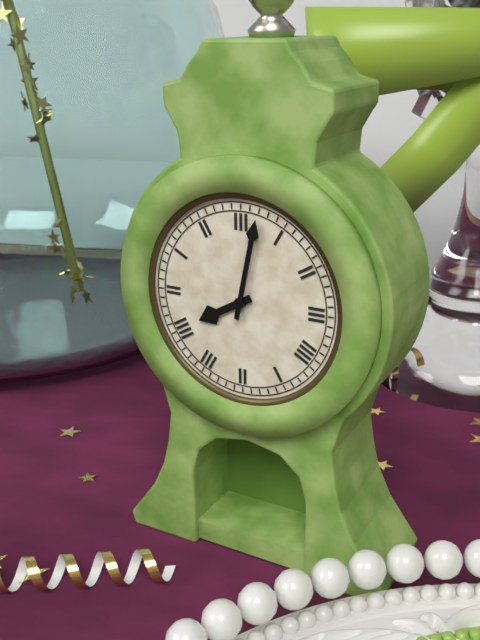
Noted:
8:02
